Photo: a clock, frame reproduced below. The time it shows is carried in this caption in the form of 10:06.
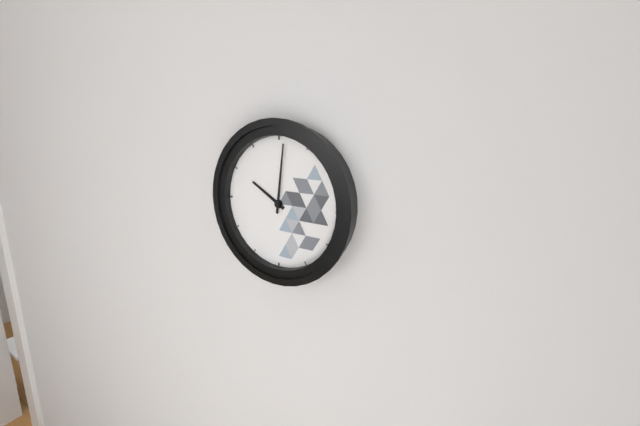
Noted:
10:01
